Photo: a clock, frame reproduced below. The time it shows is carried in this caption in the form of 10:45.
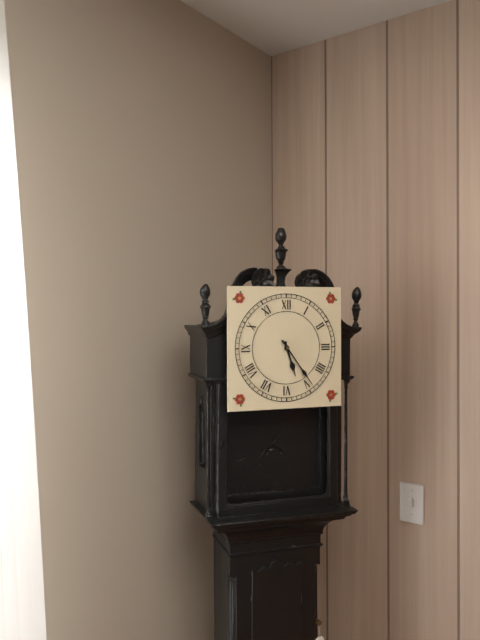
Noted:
5:24
